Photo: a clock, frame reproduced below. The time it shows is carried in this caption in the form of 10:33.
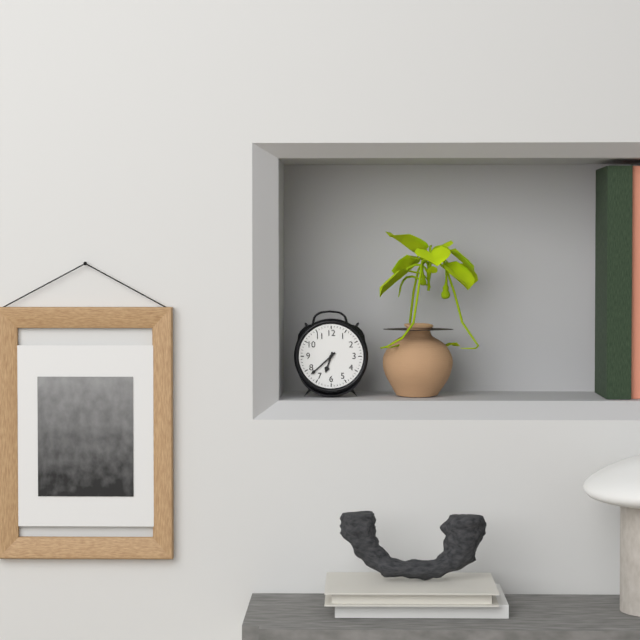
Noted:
6:38
